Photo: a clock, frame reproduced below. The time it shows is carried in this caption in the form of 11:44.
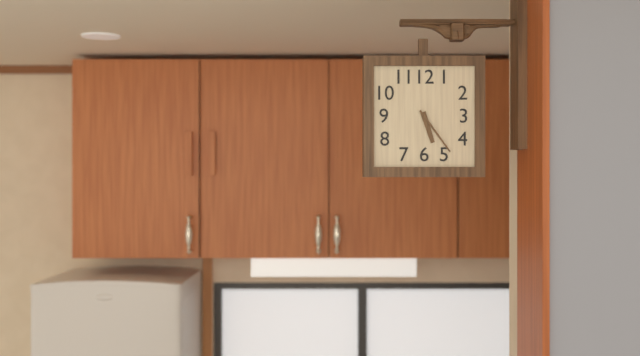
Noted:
5:24
